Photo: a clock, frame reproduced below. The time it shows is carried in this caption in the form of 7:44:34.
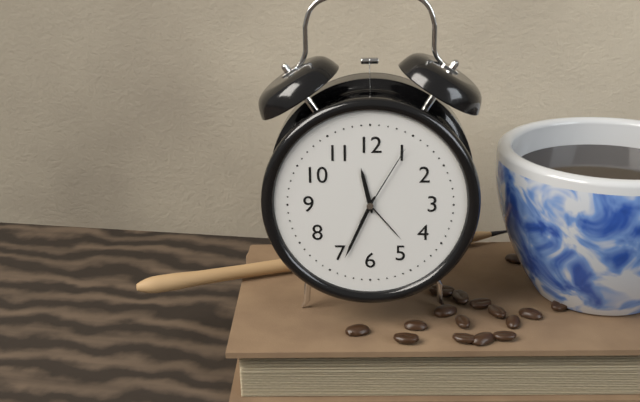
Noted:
11:34:05
